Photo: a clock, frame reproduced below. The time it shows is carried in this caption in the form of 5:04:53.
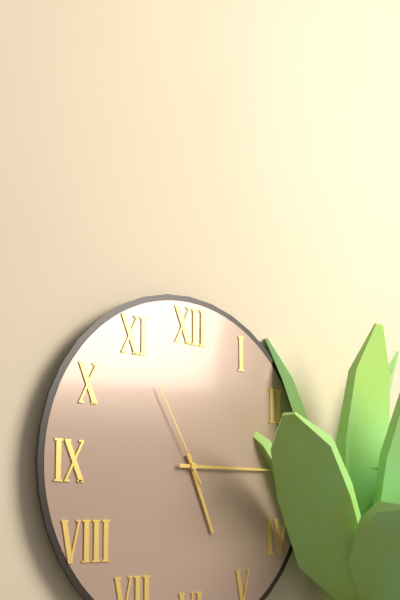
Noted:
5:15:55
